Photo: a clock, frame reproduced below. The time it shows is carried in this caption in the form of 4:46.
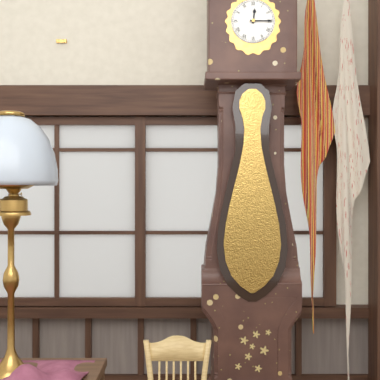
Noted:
12:15
